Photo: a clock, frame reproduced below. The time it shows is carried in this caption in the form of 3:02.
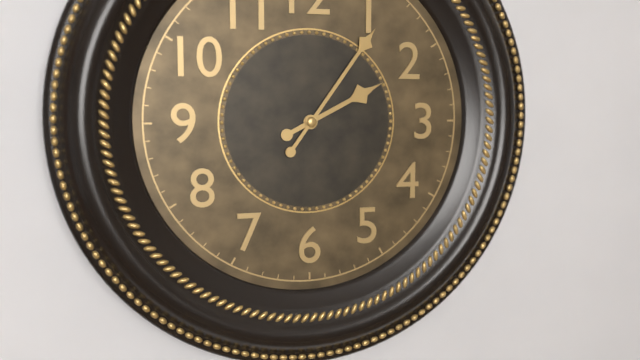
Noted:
2:06
